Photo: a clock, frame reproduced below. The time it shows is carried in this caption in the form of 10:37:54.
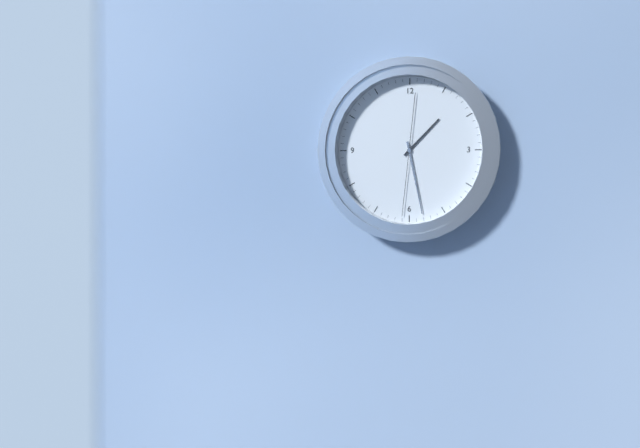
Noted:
1:28:31
